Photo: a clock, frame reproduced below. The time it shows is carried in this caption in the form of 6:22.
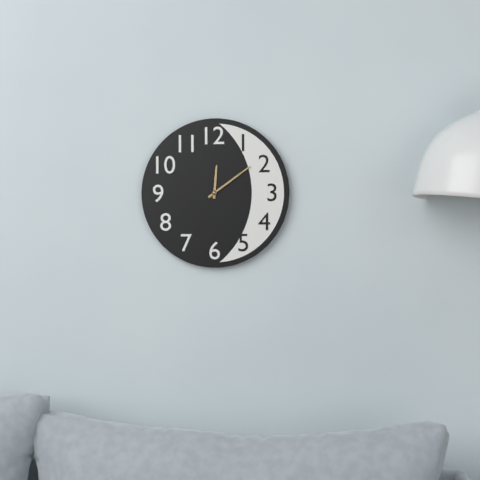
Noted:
12:09
